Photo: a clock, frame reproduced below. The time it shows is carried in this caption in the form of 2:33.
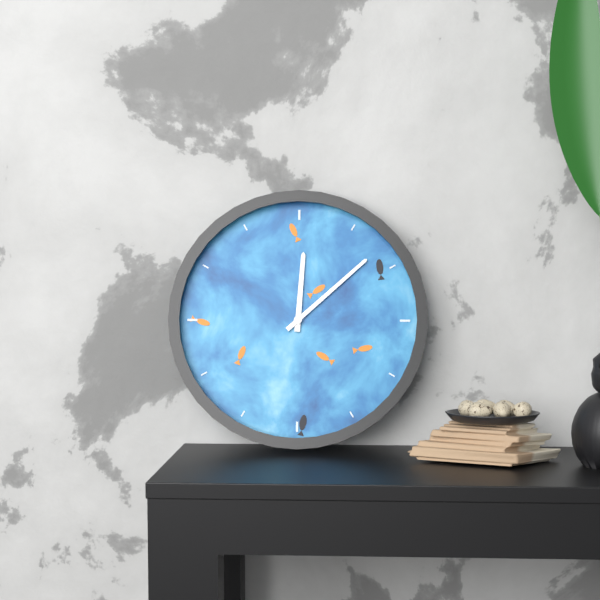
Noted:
12:08
